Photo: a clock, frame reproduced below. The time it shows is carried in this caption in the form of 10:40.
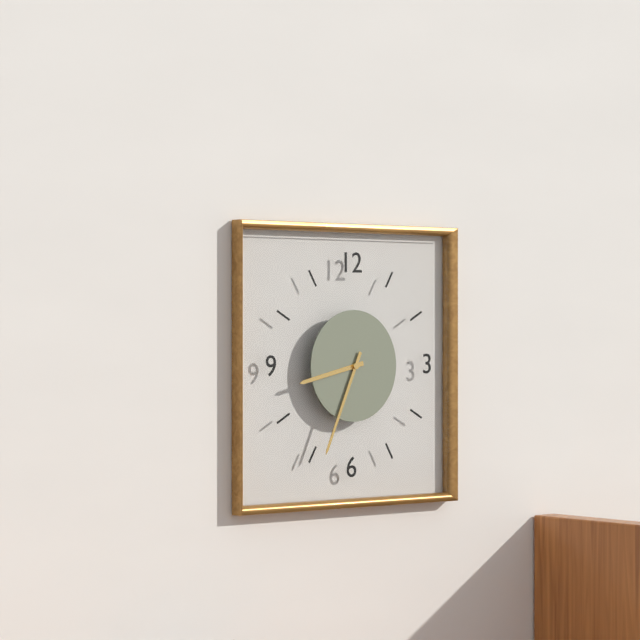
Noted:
8:34
